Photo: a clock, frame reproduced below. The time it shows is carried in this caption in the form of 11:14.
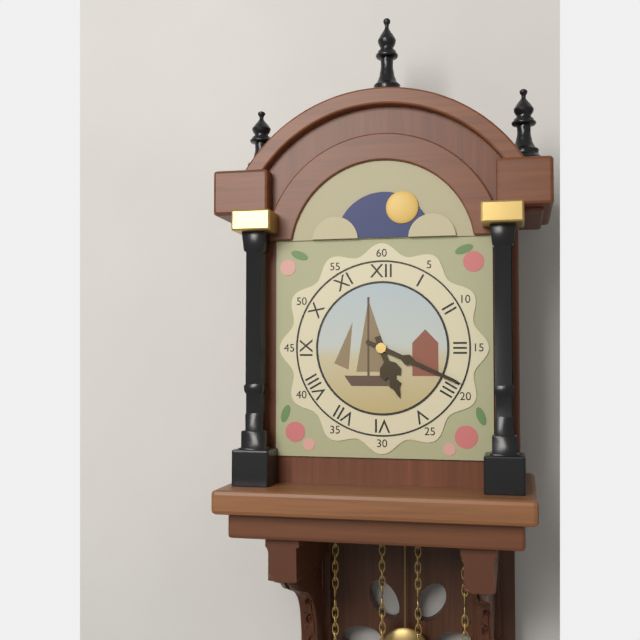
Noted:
5:19
